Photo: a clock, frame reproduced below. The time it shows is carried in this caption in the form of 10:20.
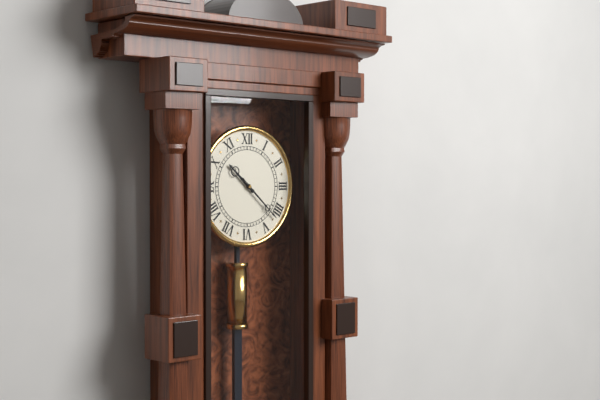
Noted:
10:22
